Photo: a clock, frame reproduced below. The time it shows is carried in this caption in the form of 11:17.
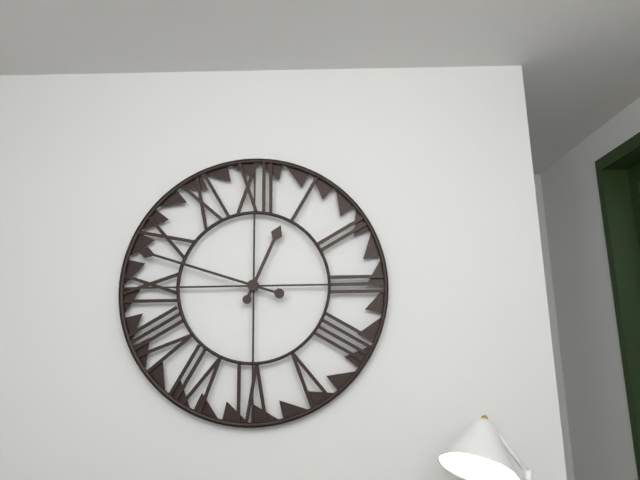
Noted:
12:48
